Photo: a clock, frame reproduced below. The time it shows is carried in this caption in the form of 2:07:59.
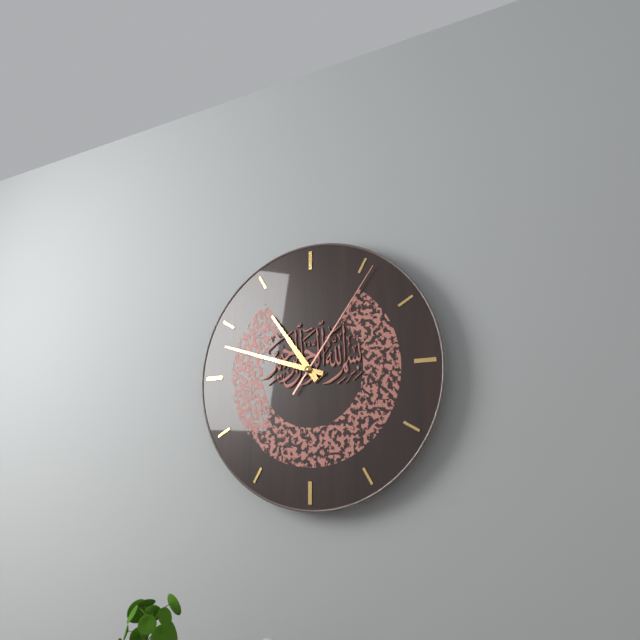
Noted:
10:48:06
